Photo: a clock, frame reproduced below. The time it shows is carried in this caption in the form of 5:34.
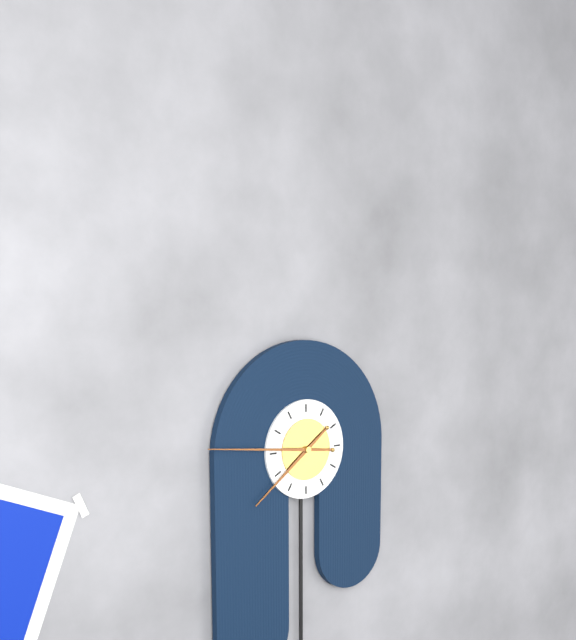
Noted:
7:46
